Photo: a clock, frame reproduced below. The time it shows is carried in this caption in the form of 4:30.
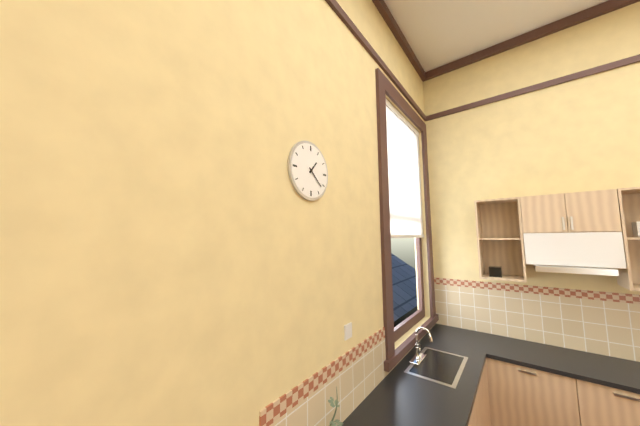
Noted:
1:22
